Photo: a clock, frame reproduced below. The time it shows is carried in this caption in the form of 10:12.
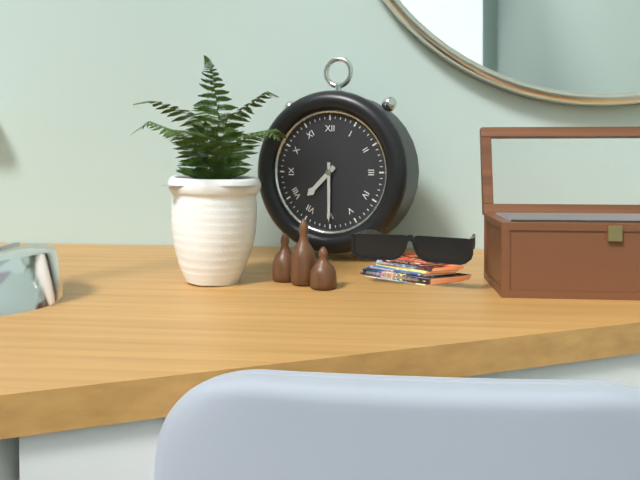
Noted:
7:30
